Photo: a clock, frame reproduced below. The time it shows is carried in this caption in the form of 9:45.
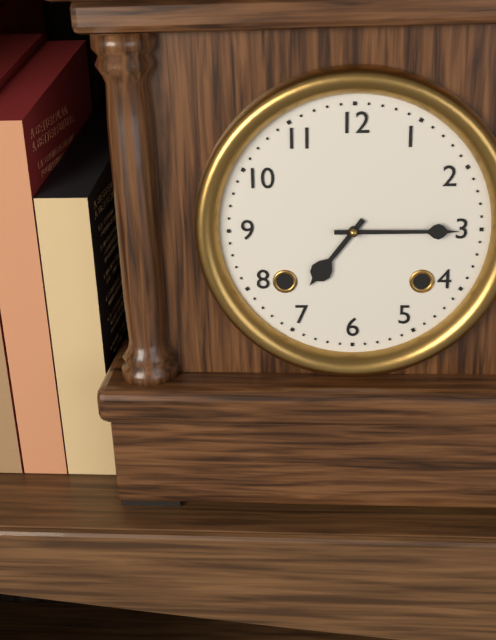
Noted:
7:15
